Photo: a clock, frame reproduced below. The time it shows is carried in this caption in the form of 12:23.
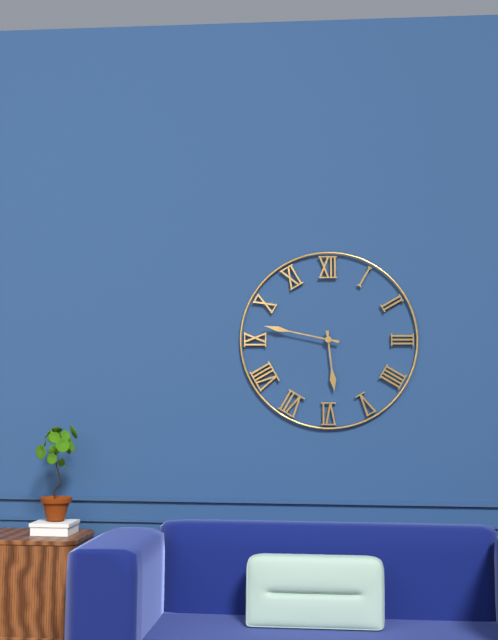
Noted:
5:47
